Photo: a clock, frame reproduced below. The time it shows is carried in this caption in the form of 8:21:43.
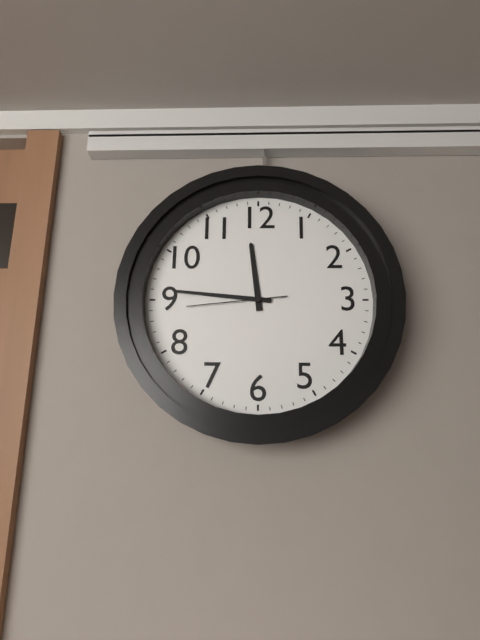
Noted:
11:46:44
